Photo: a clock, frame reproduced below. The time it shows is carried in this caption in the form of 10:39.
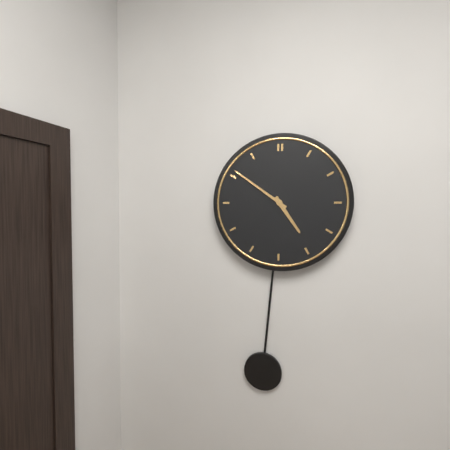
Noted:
4:51
